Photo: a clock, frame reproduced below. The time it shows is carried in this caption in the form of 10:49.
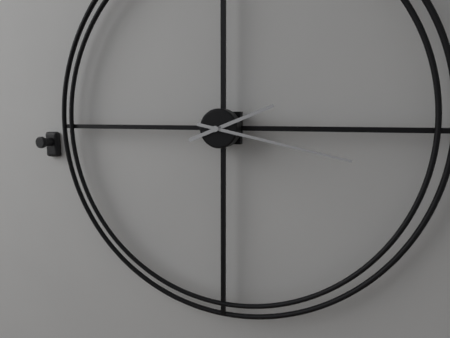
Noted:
2:17
